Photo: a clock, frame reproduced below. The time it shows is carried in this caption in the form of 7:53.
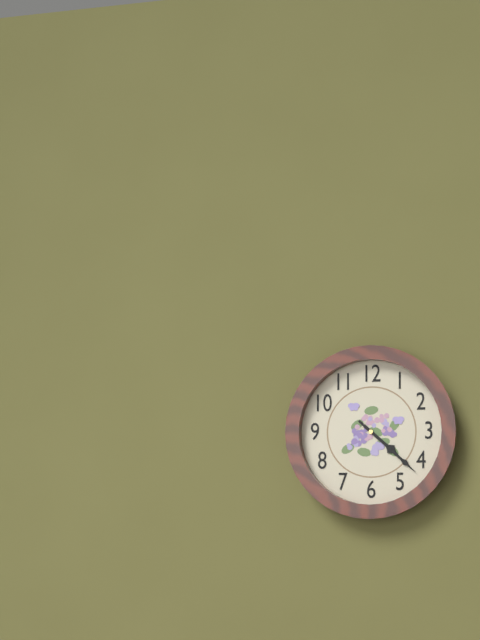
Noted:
4:22
